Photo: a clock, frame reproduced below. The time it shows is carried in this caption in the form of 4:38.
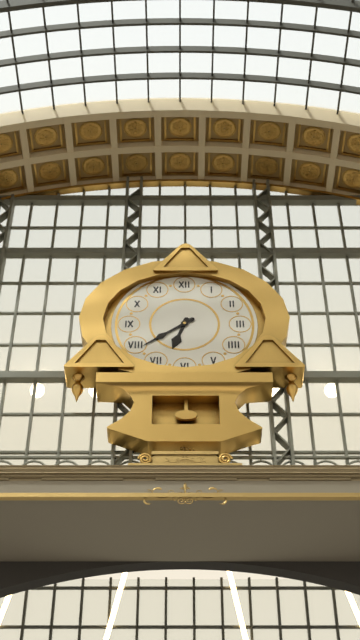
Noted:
6:39
